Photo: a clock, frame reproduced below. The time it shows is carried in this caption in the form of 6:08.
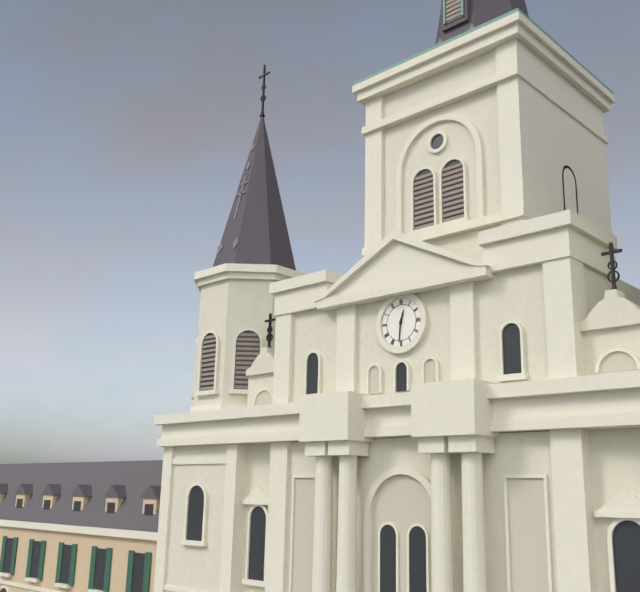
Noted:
12:31
